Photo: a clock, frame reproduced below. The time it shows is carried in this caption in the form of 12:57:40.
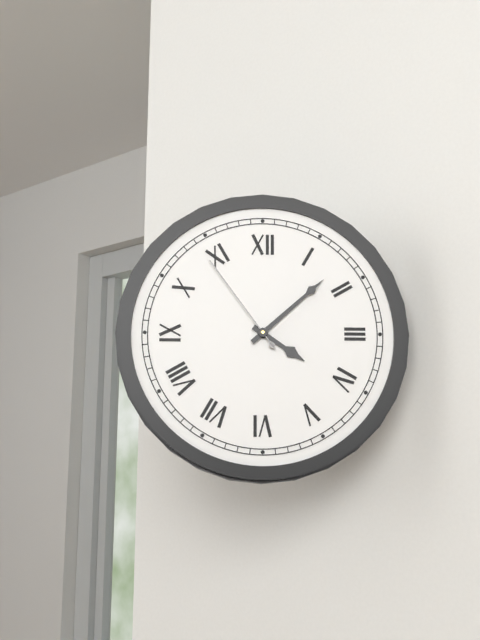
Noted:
4:08:54
